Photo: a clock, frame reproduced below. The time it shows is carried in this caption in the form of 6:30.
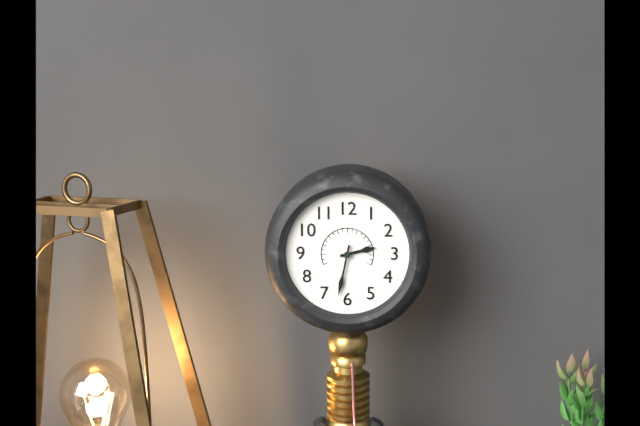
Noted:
2:32
